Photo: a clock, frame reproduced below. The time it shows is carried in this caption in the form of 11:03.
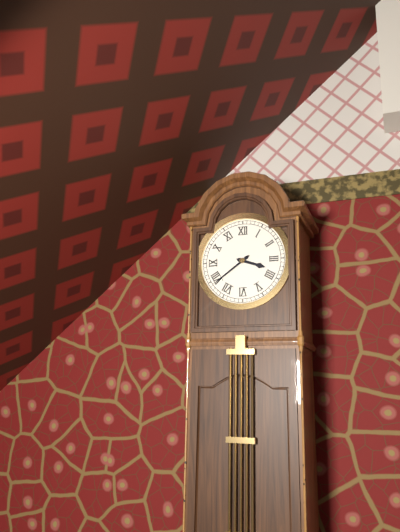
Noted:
3:39
